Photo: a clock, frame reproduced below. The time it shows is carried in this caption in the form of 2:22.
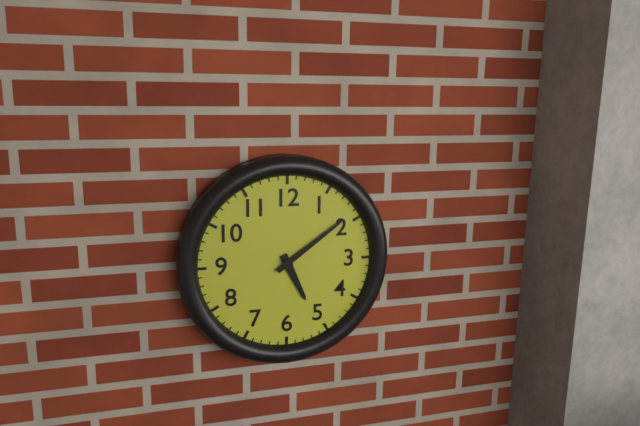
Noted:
5:09
